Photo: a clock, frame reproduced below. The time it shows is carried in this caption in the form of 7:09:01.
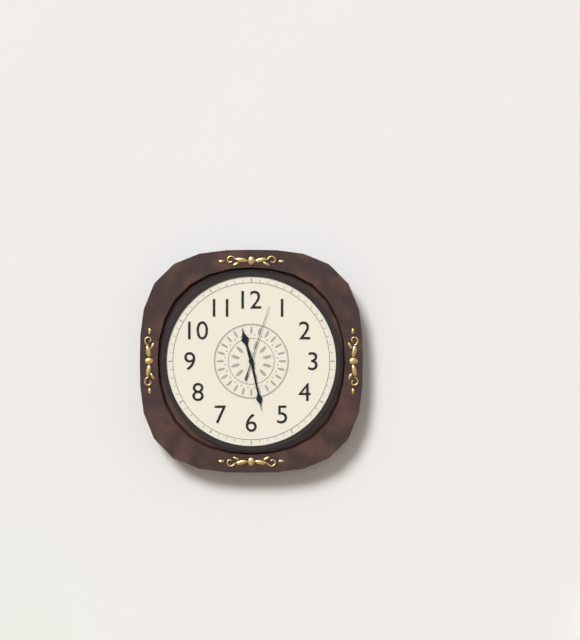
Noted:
11:28:03
